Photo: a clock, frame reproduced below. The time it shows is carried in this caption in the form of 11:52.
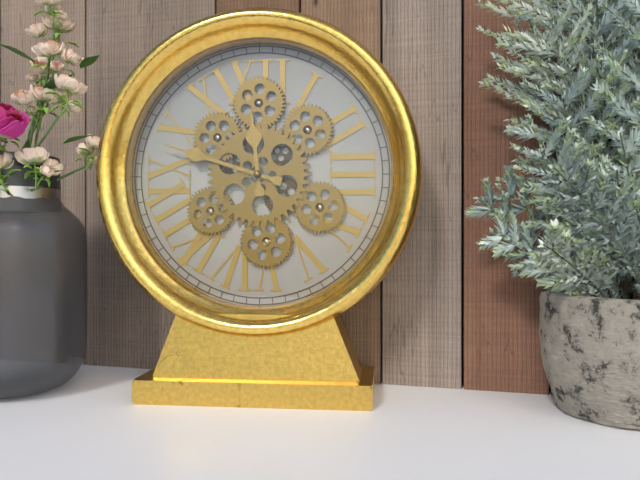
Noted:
11:48
